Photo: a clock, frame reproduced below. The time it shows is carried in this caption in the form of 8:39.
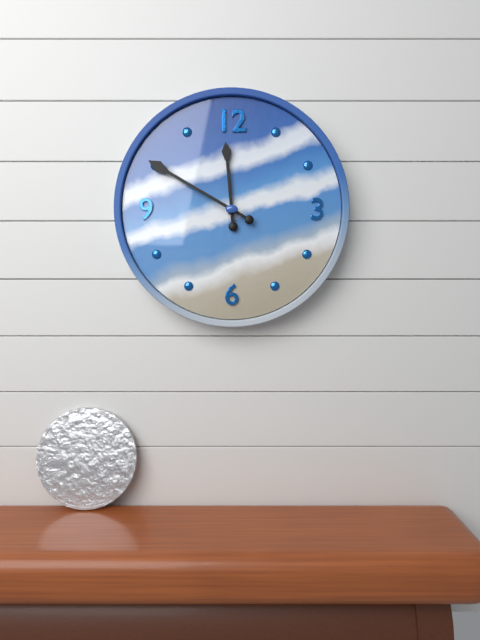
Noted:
11:50
